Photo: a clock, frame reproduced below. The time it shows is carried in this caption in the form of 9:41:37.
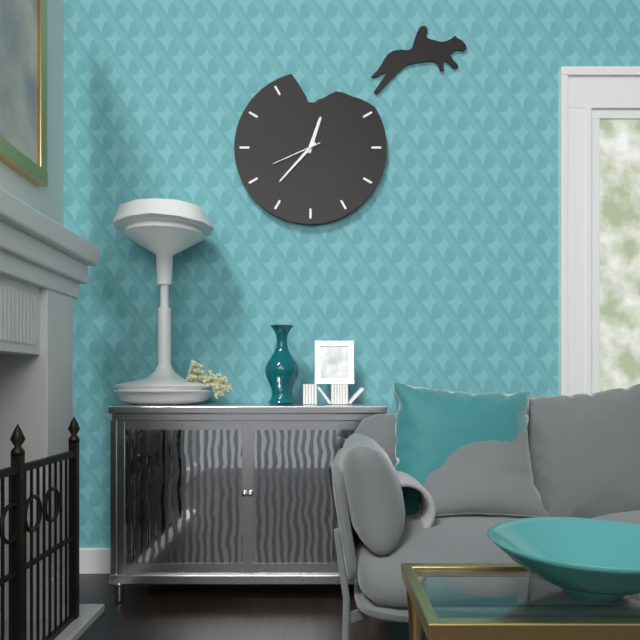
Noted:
12:37:41
